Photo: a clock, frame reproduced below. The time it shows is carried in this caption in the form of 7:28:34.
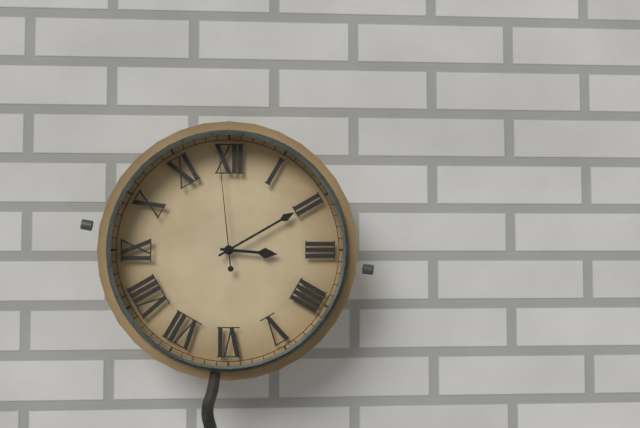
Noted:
3:10:59
